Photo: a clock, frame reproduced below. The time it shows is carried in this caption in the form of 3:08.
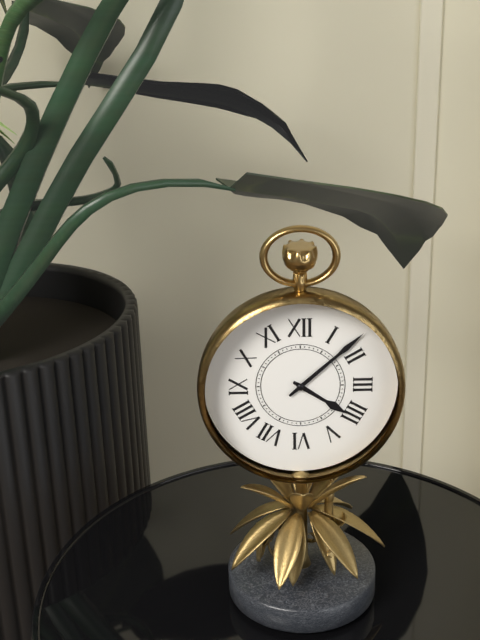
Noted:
4:08
